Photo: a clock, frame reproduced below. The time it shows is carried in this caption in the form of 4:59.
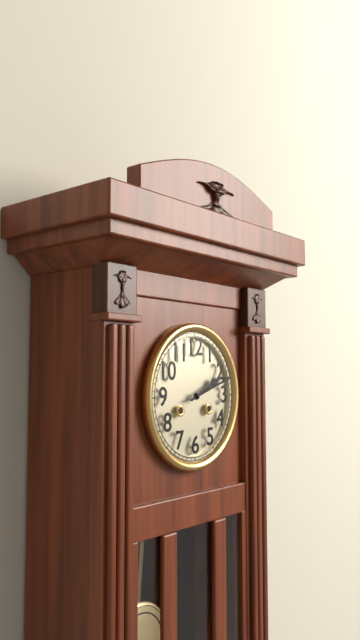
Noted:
2:12
